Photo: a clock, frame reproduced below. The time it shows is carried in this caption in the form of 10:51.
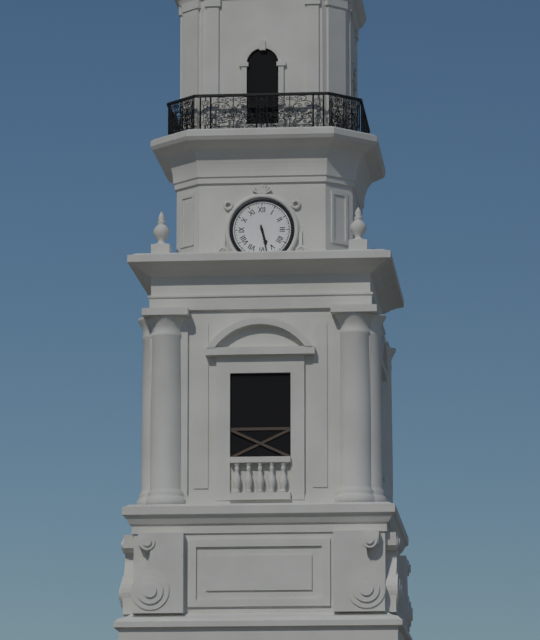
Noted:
5:28
